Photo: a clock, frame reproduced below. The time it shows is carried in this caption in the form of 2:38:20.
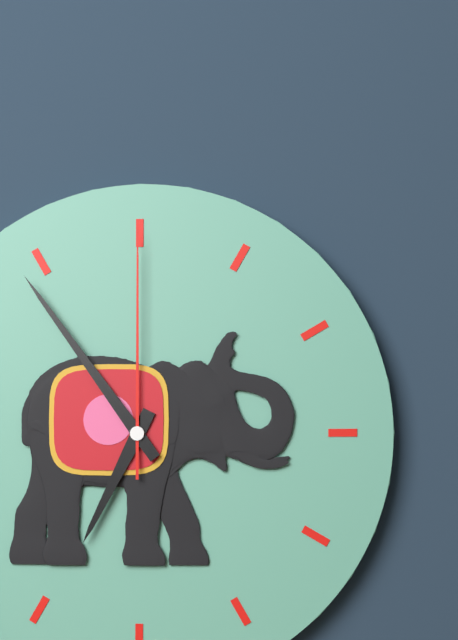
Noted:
6:54:00
